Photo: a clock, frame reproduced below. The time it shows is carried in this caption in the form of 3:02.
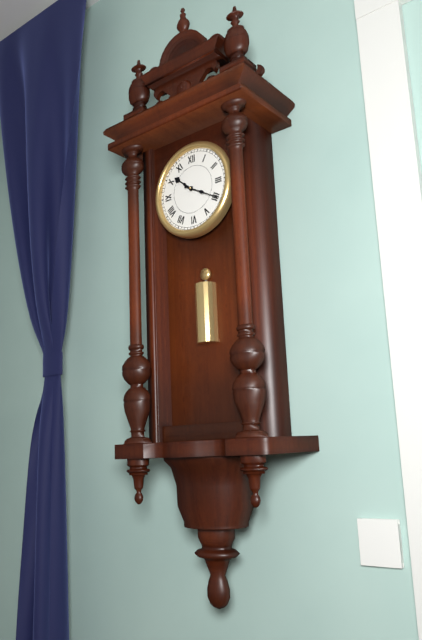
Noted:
10:20
